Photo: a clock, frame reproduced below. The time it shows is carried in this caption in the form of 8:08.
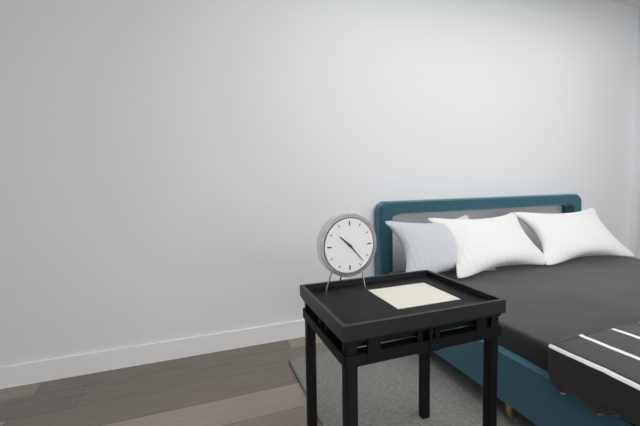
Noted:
10:23
